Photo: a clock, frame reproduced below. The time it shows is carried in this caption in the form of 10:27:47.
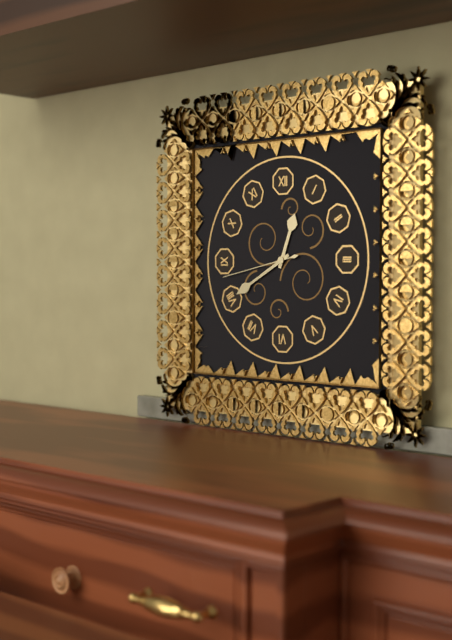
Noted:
12:40:43
